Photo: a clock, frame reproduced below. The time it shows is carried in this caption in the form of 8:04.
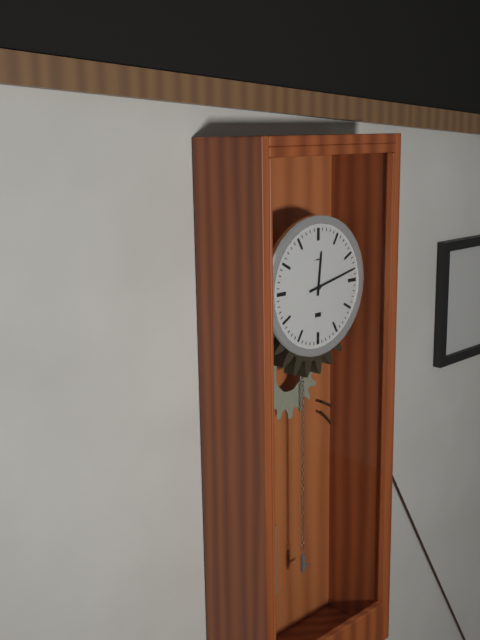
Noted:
12:13
